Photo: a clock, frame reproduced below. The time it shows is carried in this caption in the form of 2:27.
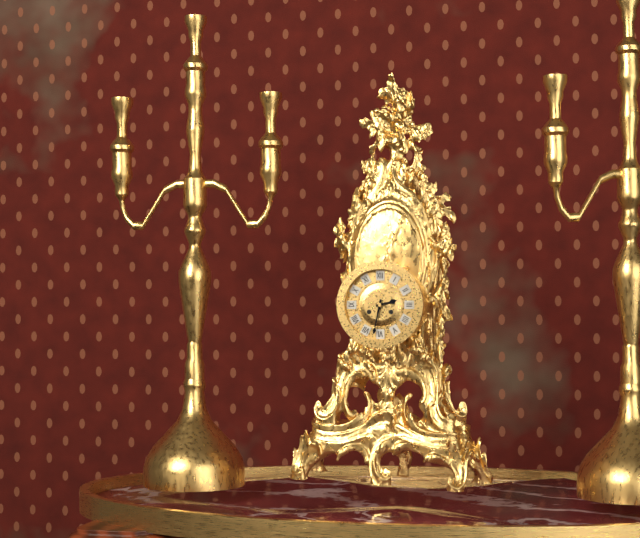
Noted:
2:32
